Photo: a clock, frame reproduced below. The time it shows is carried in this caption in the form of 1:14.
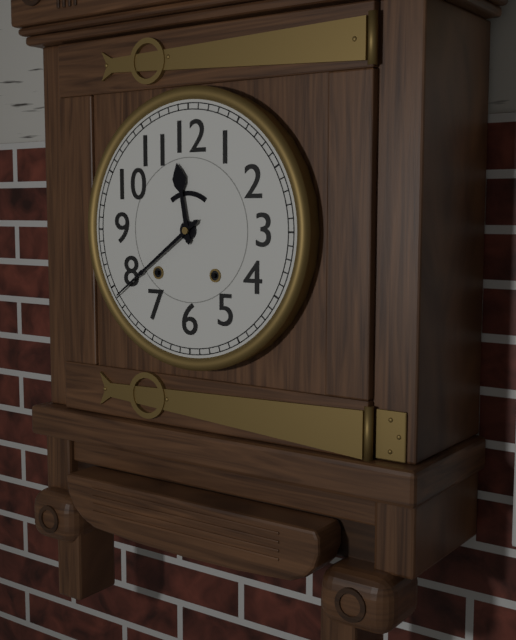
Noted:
11:39
